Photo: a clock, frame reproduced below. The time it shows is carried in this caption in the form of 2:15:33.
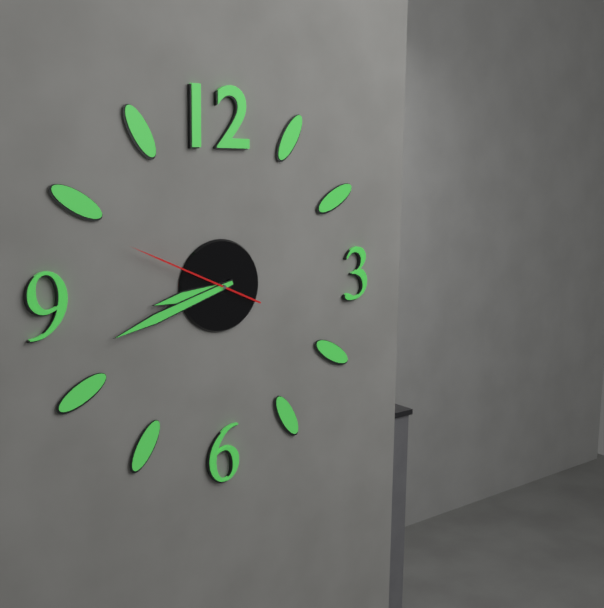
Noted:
8:42:49
